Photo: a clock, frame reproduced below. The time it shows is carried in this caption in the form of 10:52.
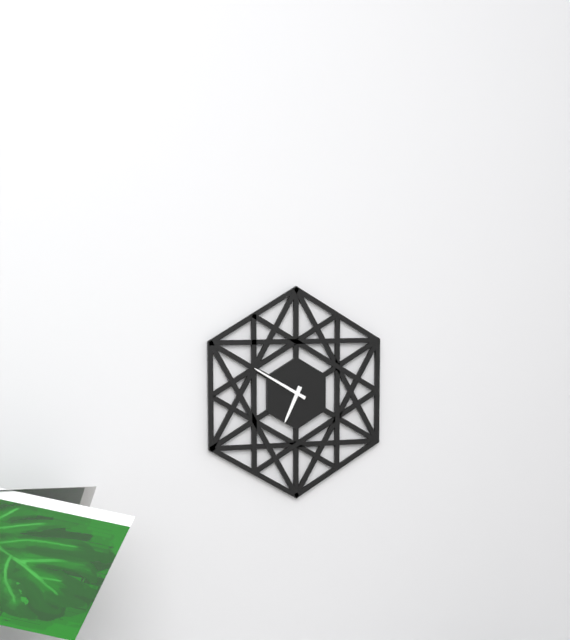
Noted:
6:50
